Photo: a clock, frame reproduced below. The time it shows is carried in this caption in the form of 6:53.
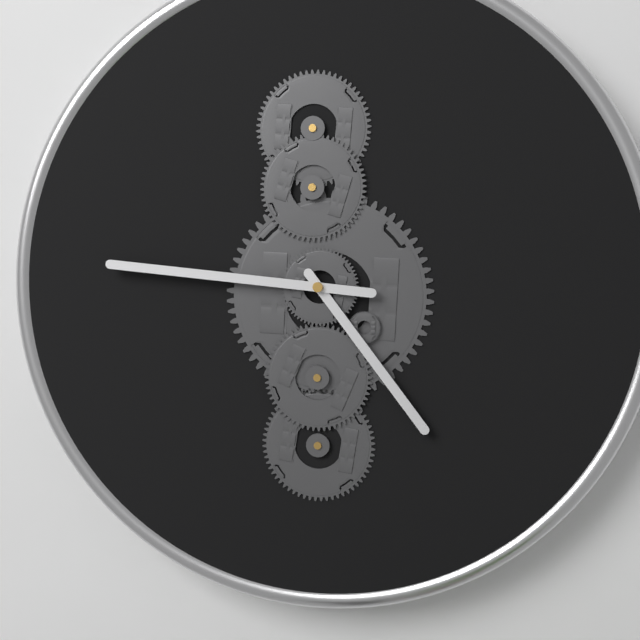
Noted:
4:46
